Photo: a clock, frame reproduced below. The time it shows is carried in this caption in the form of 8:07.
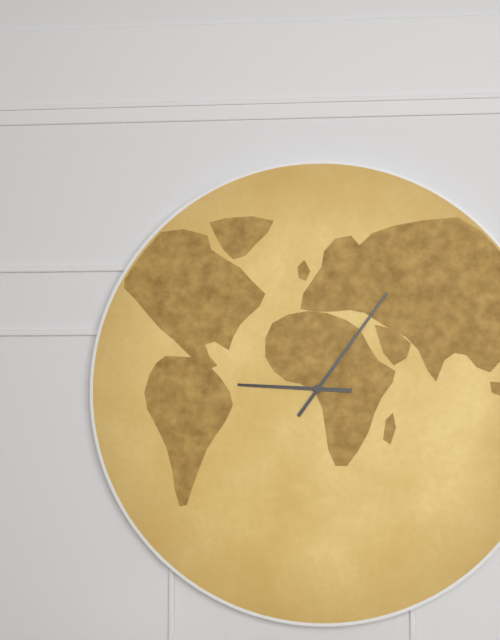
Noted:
9:06
